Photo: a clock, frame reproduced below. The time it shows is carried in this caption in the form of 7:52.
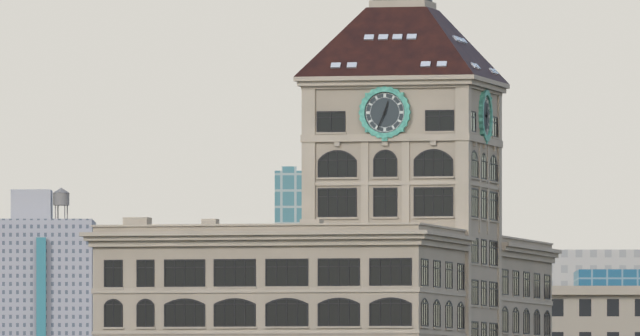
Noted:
12:34
